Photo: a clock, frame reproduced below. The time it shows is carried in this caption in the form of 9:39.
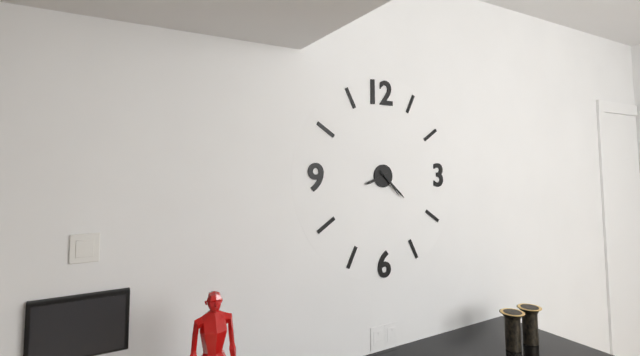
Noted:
8:22
